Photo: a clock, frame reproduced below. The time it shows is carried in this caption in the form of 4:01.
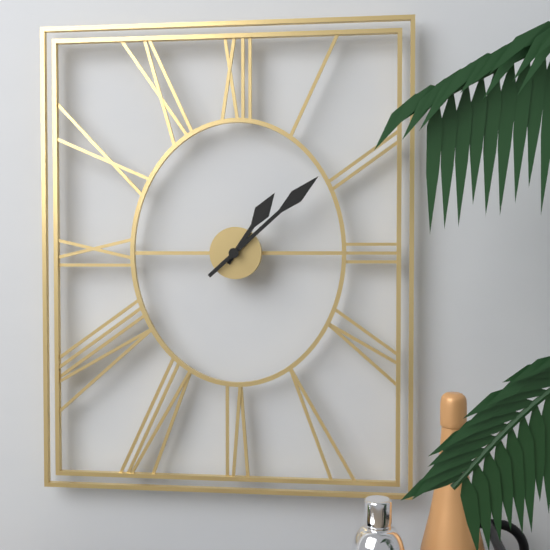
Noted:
1:08
